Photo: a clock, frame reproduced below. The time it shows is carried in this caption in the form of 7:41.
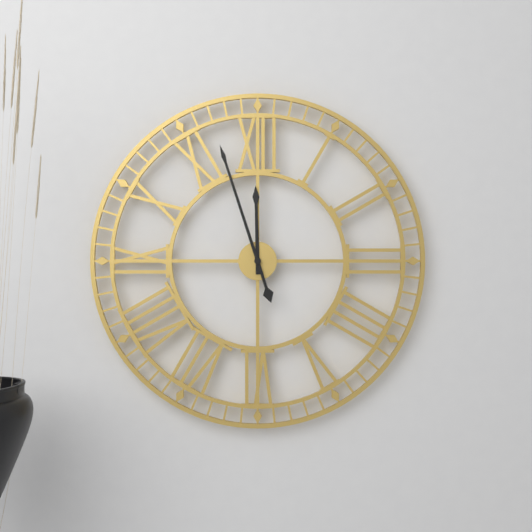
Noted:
11:57
